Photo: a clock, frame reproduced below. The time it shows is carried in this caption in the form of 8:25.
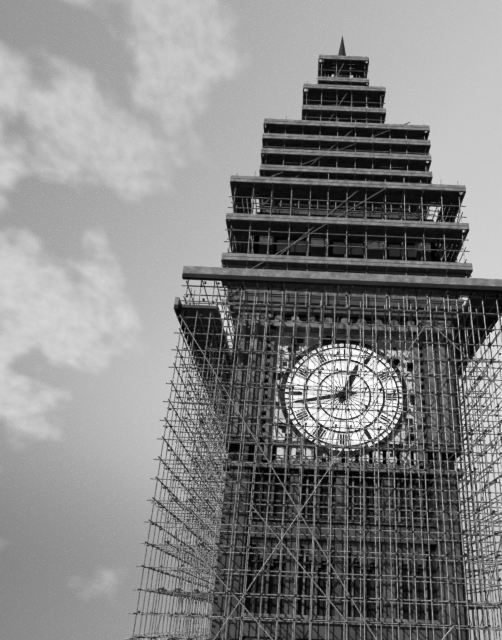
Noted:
12:43
